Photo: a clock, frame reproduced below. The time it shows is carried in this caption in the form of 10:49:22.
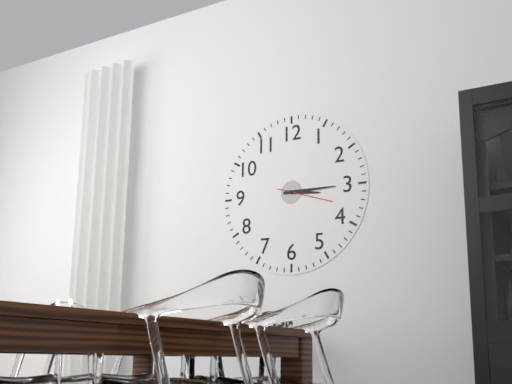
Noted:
3:15:18
